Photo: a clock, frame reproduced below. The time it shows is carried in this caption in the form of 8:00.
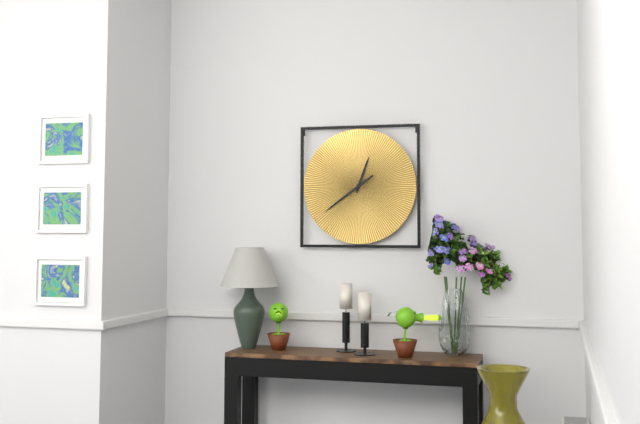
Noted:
12:39
